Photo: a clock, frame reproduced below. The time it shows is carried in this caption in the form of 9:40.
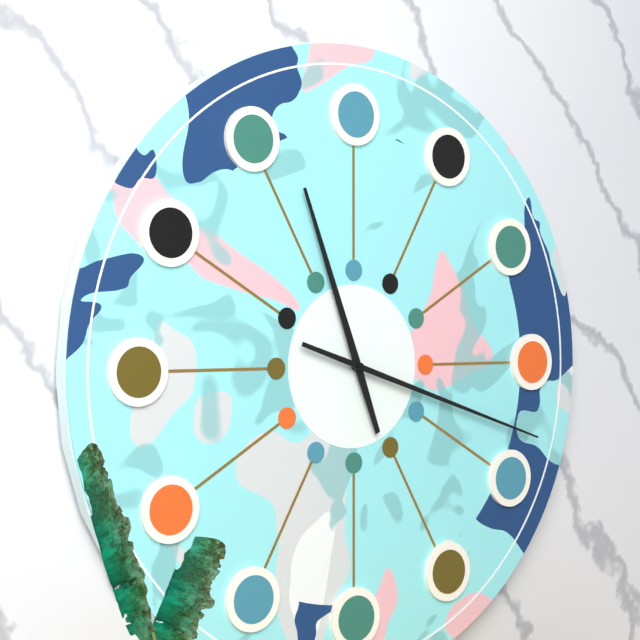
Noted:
11:18
